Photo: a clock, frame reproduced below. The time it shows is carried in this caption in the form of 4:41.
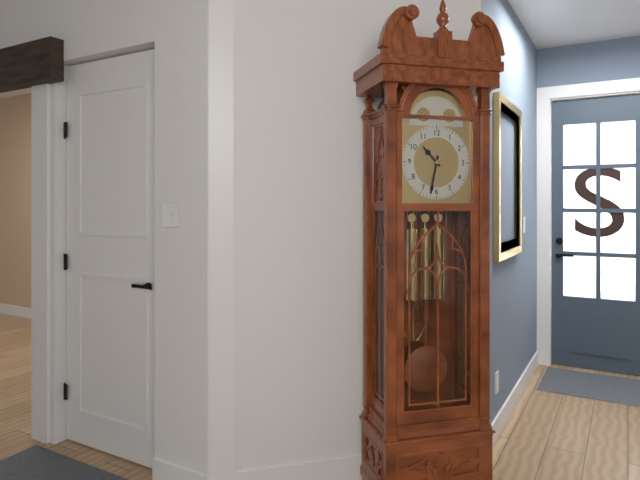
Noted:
10:32
